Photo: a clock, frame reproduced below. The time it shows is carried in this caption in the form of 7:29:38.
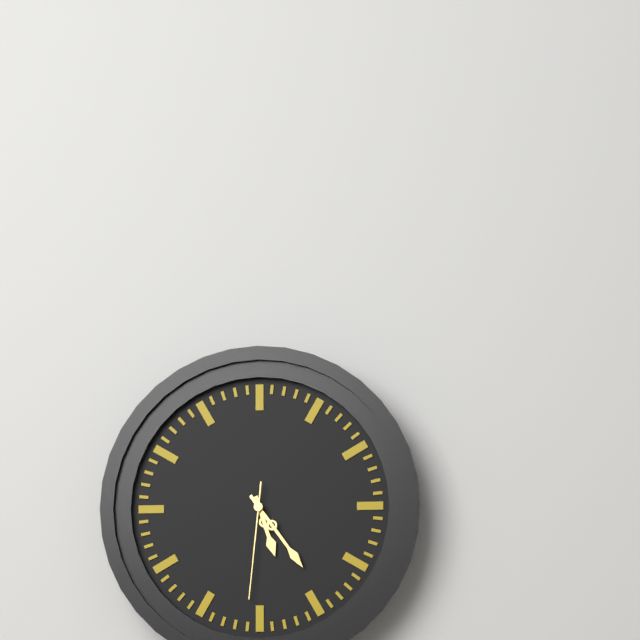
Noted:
5:24:31
